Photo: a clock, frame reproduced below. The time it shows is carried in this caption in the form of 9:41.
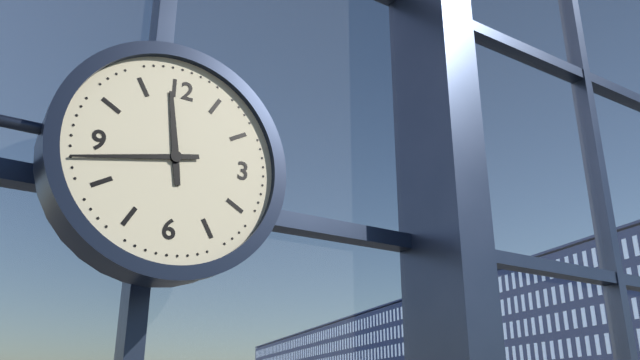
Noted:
11:43
